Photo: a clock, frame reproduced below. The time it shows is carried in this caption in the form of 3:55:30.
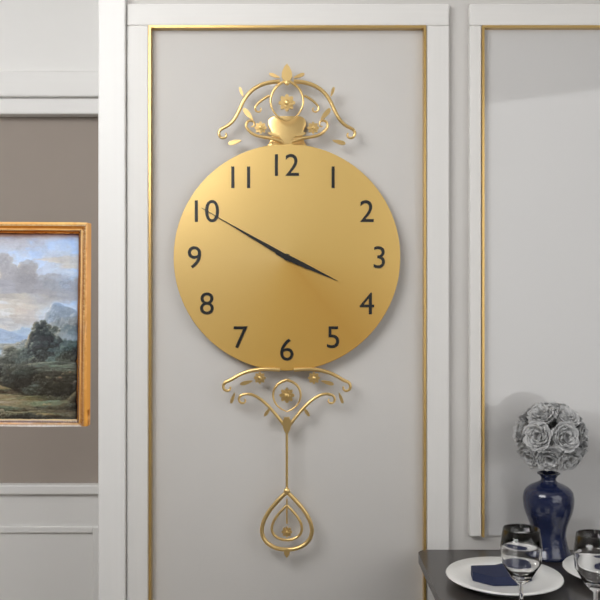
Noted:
3:50:50
